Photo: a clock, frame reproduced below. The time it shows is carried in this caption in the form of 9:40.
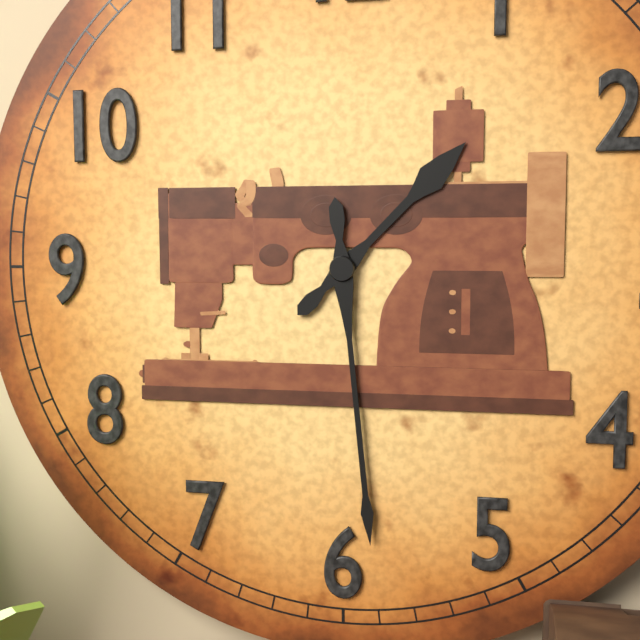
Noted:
1:29
